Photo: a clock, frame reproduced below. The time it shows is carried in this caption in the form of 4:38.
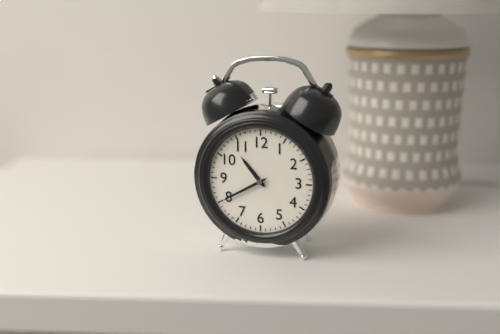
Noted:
10:40
